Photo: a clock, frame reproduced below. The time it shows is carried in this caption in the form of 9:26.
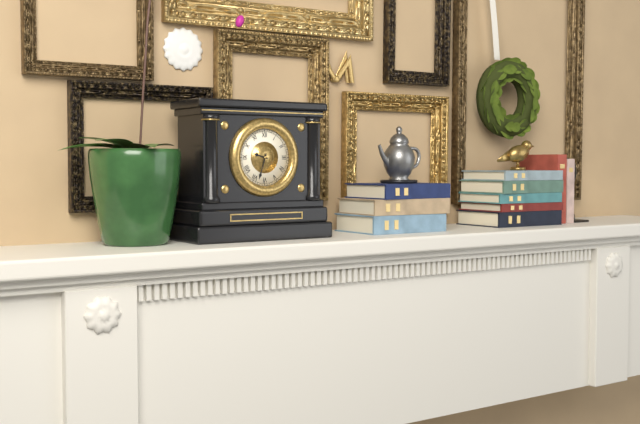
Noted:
9:33
